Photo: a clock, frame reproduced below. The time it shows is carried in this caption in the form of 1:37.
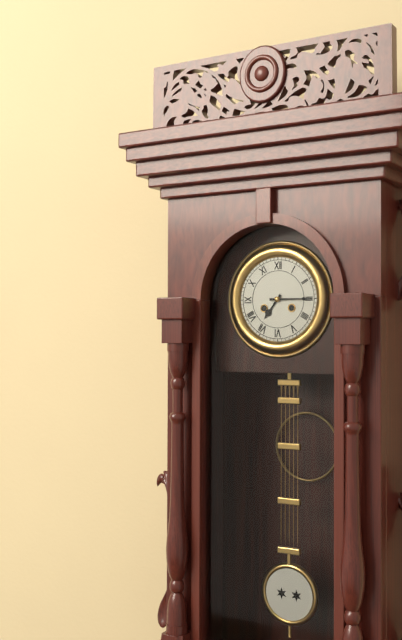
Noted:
7:15
